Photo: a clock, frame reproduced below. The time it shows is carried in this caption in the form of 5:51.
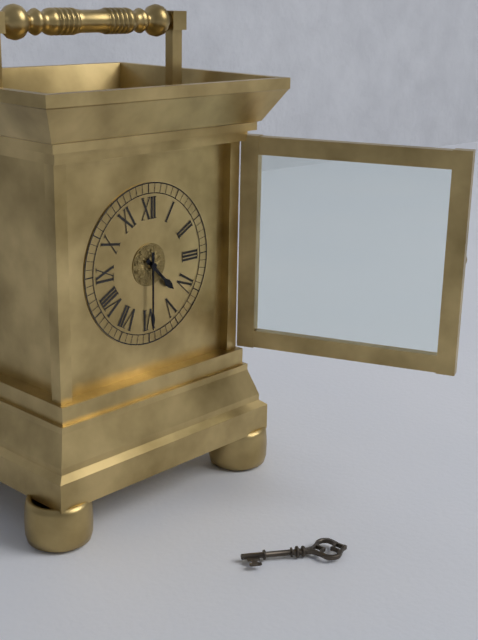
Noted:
4:30
